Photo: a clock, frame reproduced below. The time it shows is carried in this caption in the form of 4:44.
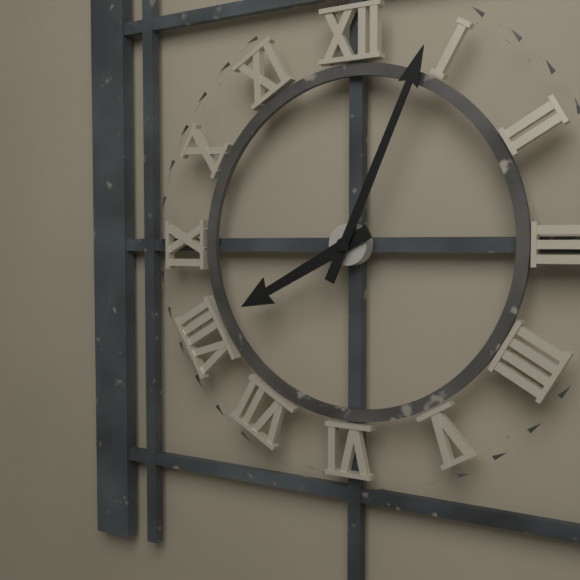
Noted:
8:04
